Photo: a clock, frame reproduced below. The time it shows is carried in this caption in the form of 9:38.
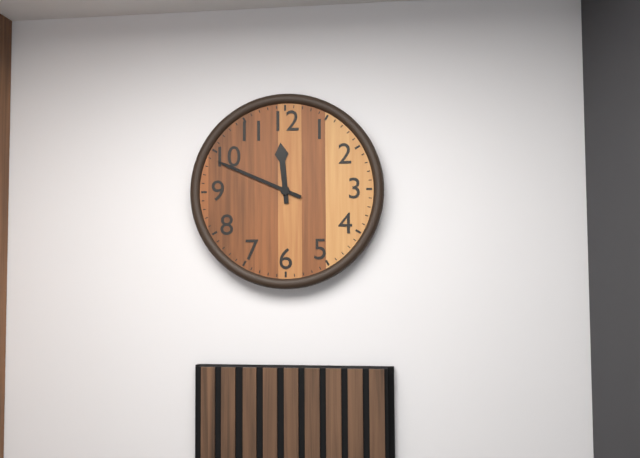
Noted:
11:49
